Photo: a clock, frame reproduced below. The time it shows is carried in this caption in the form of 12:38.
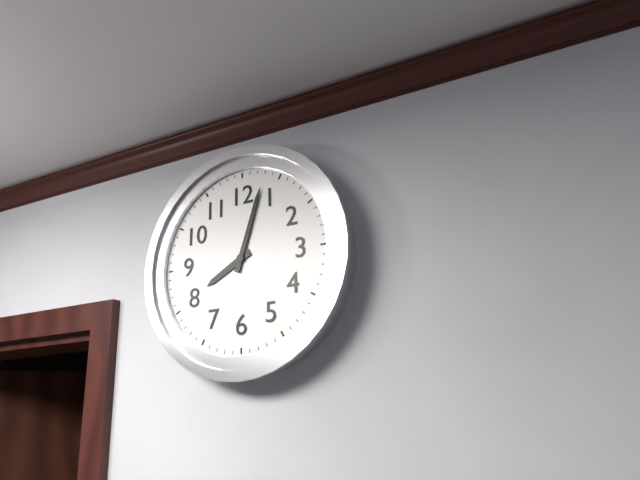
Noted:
8:03
